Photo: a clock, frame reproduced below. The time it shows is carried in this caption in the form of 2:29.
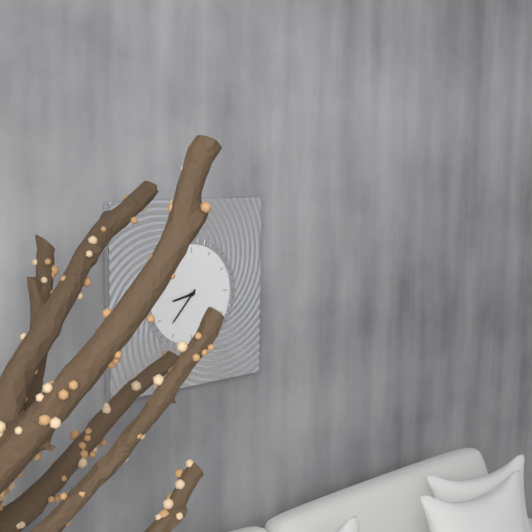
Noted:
8:37
